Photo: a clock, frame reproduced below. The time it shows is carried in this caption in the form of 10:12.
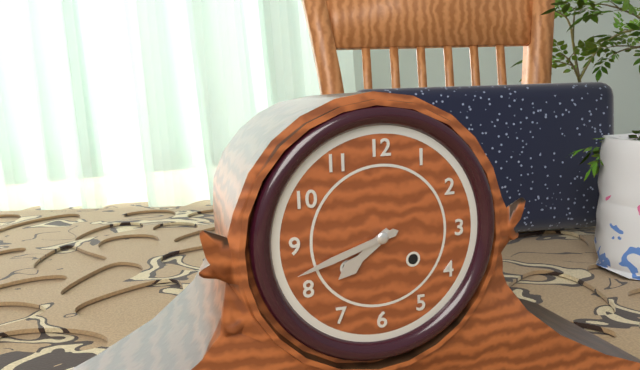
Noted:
7:42
